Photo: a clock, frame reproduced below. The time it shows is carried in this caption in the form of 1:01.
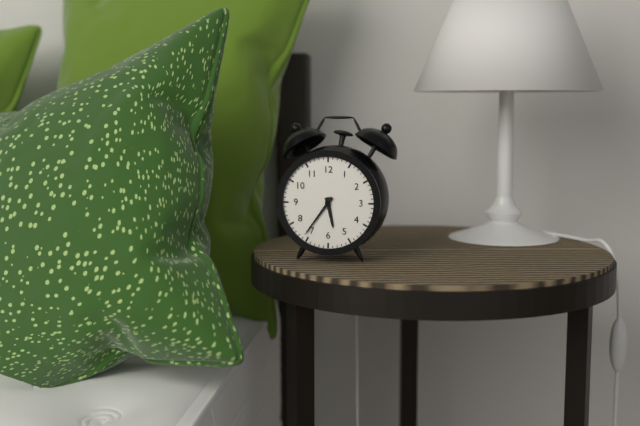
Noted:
5:36
